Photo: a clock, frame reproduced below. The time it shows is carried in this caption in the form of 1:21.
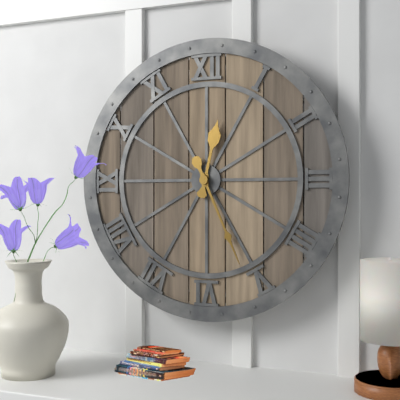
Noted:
12:26
